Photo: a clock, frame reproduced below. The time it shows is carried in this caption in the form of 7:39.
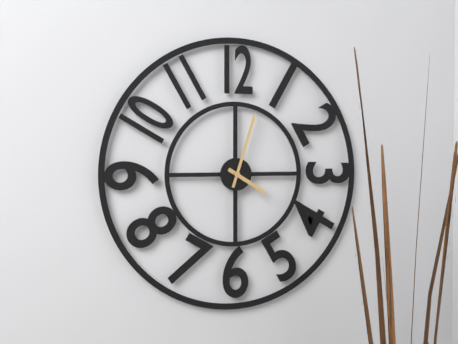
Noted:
4:03
